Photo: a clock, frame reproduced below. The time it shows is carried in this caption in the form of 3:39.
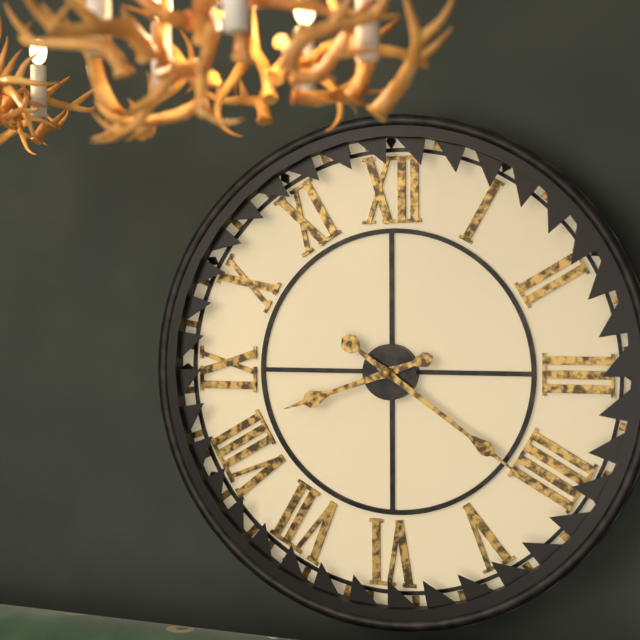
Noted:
8:21
